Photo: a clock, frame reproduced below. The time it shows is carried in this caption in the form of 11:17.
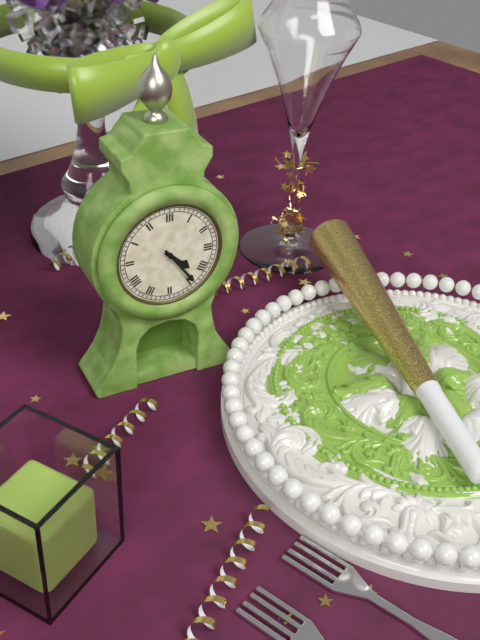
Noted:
4:24
